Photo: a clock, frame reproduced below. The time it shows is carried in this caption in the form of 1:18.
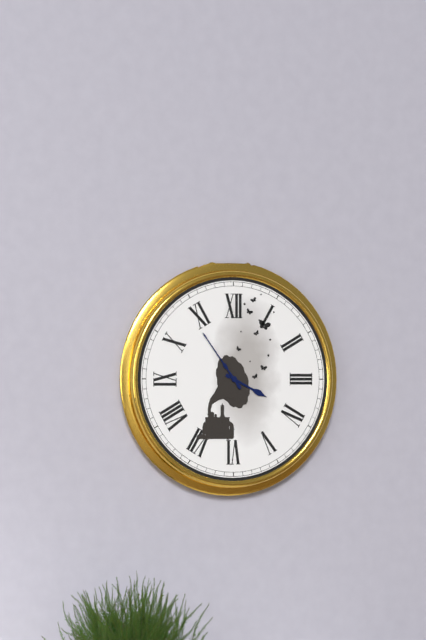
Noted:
3:54
